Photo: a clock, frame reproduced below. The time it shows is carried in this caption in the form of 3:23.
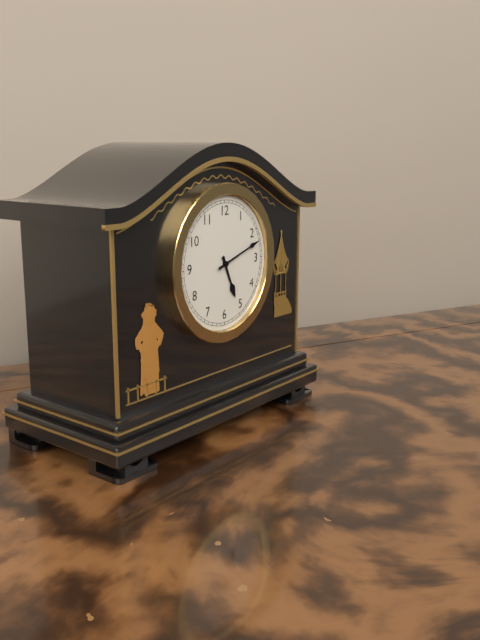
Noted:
5:12
